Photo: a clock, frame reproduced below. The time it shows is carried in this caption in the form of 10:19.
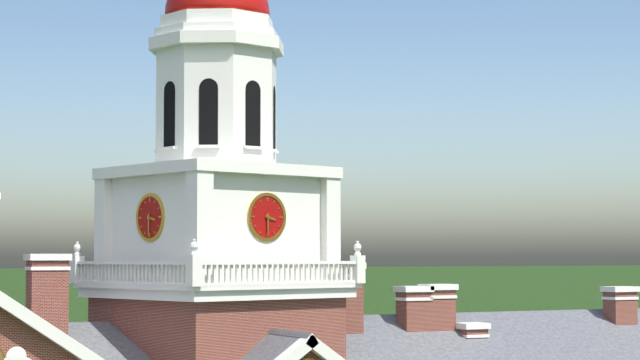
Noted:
3:30
